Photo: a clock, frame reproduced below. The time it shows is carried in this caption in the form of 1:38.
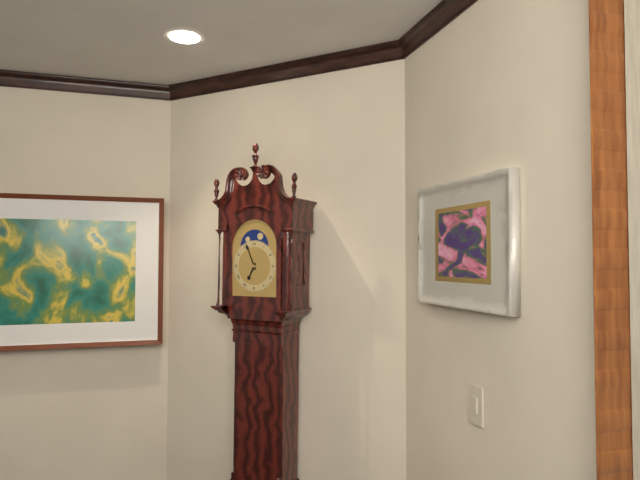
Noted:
6:56
